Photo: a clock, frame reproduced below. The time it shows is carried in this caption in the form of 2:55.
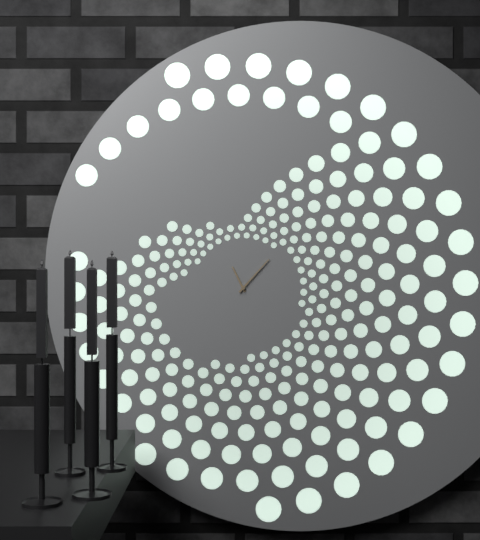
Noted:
11:07
